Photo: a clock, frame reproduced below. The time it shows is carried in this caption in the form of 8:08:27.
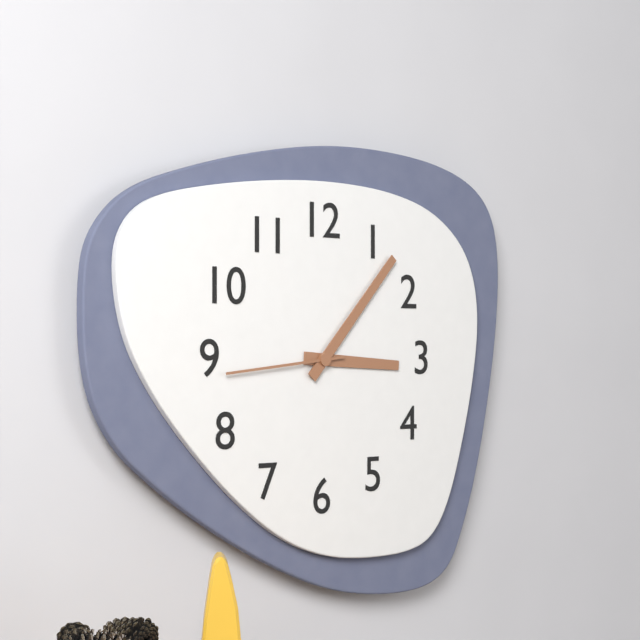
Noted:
3:07:44
